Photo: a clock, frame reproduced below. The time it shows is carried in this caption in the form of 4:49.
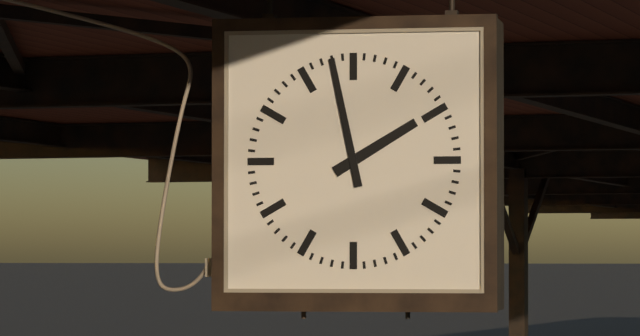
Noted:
1:58
